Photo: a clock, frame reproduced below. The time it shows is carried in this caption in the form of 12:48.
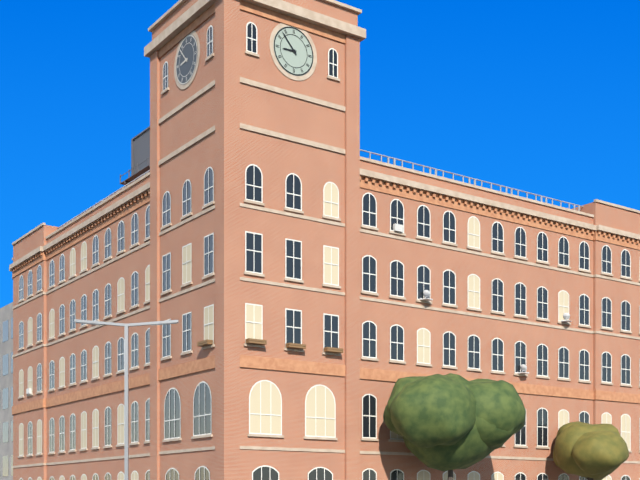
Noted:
8:53
